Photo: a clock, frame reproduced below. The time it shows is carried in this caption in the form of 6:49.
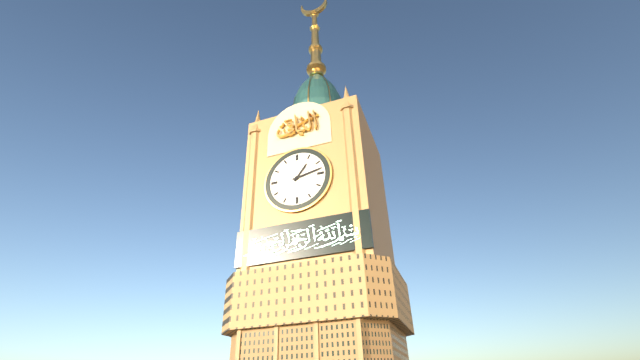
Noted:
1:13
